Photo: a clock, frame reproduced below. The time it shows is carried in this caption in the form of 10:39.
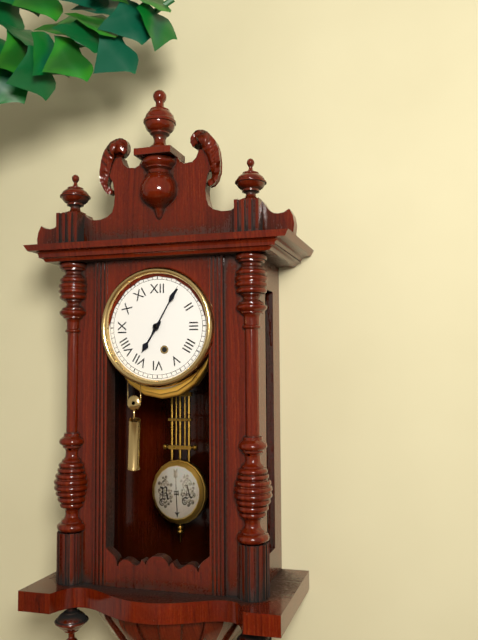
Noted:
7:05
